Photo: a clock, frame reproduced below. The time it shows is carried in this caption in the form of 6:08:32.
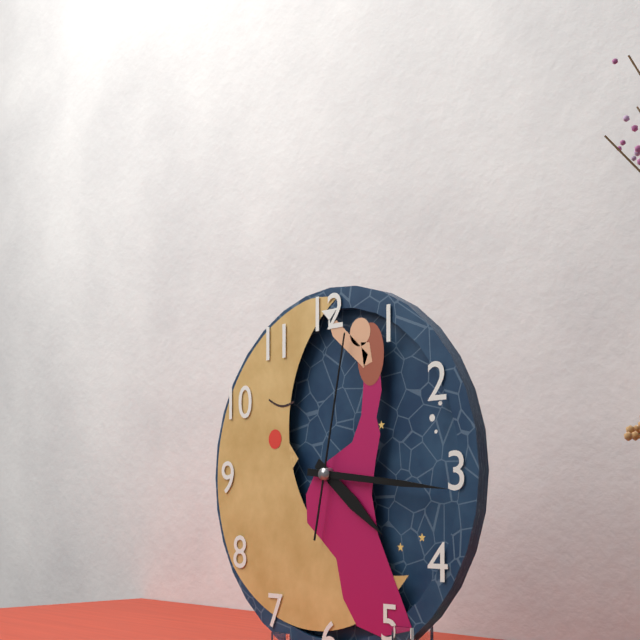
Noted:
4:16:02
